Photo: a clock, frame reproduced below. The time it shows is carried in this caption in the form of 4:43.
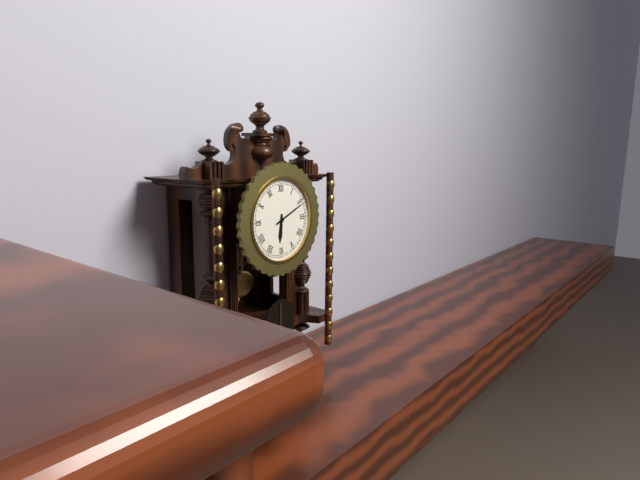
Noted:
6:11
